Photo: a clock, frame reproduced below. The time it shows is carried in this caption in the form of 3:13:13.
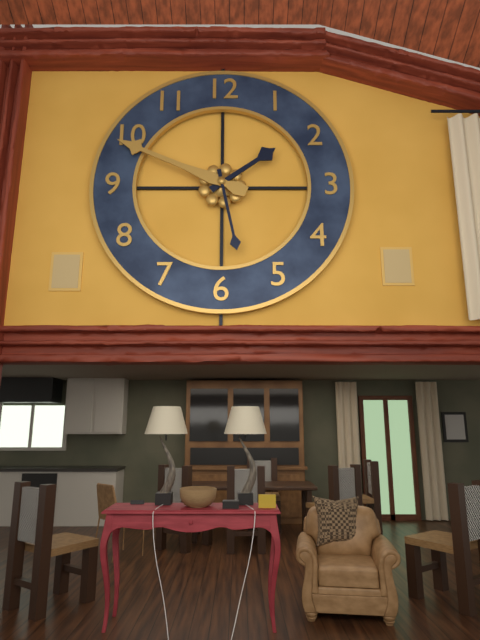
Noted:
1:49:28
